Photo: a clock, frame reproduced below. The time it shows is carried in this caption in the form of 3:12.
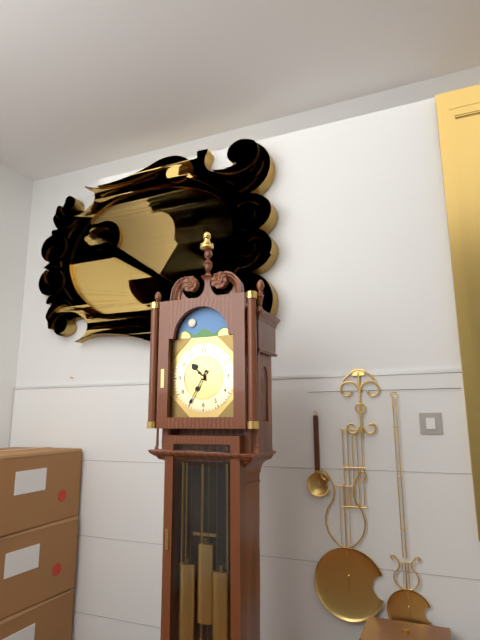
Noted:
10:35
